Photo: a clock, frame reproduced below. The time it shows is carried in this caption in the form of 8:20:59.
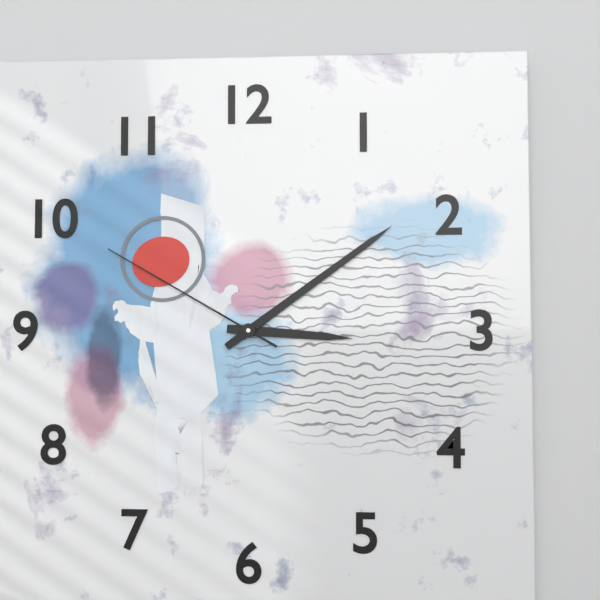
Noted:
3:09:50
